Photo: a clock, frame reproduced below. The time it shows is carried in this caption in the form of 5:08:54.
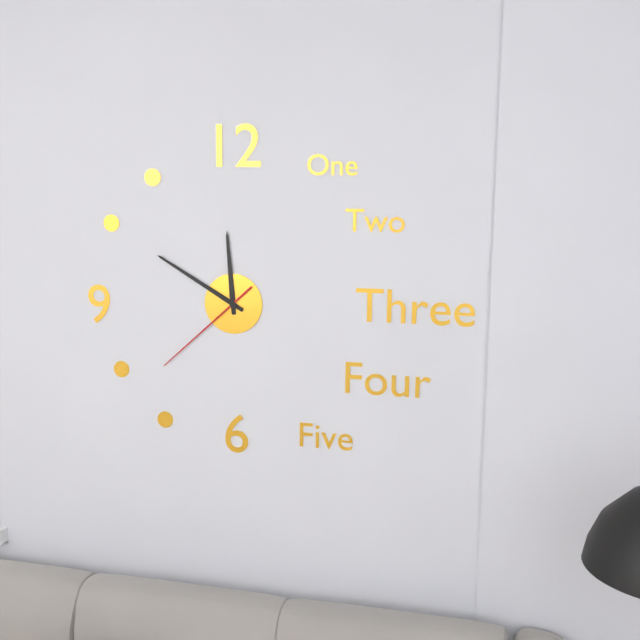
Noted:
11:50:38
